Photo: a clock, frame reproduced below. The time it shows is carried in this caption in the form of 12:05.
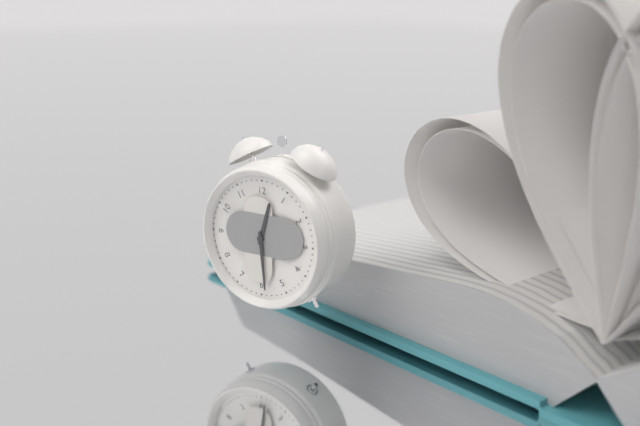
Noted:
12:29
